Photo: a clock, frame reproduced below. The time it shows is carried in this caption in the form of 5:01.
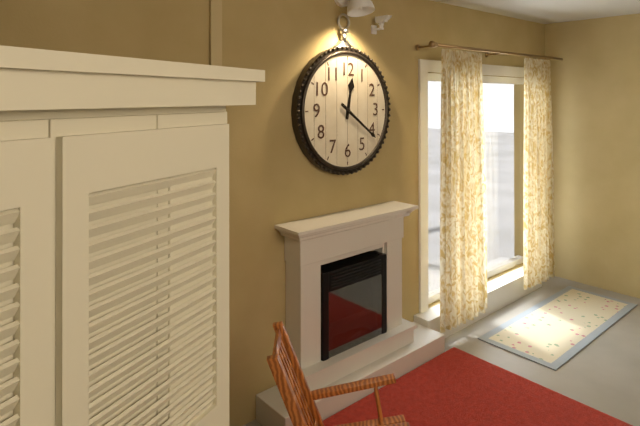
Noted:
12:21
